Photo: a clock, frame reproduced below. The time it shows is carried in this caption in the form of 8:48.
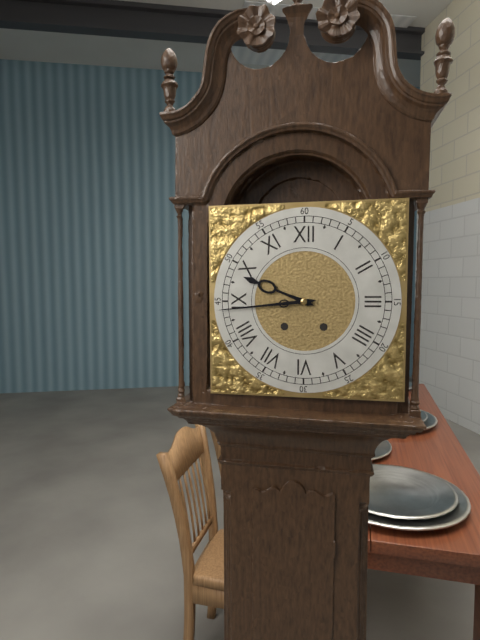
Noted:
9:44
